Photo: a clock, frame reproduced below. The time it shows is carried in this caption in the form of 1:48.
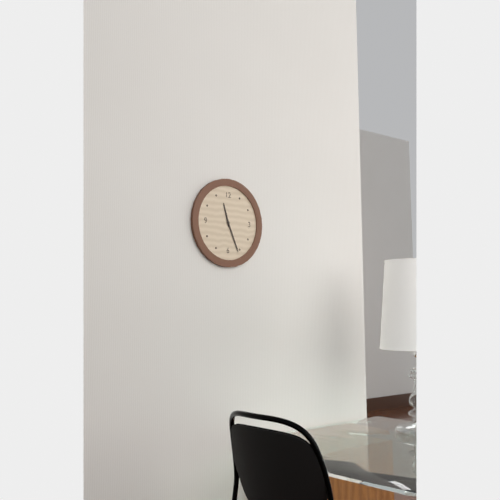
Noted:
11:26
